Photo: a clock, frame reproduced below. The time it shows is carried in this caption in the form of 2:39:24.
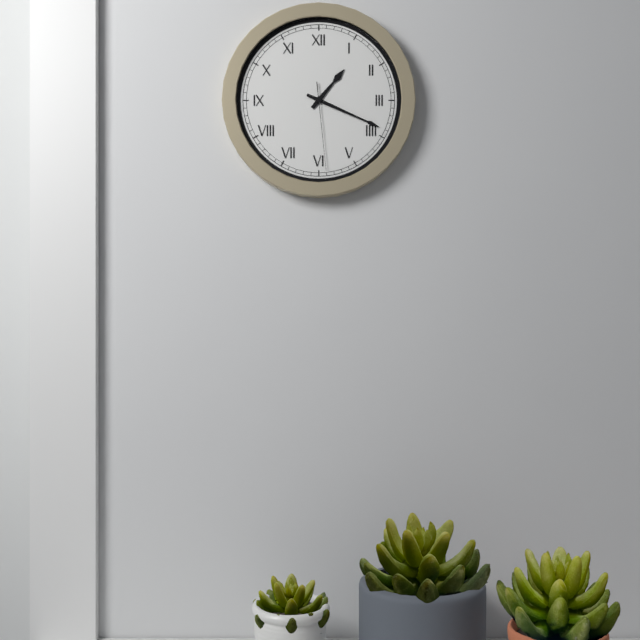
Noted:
1:19:29
